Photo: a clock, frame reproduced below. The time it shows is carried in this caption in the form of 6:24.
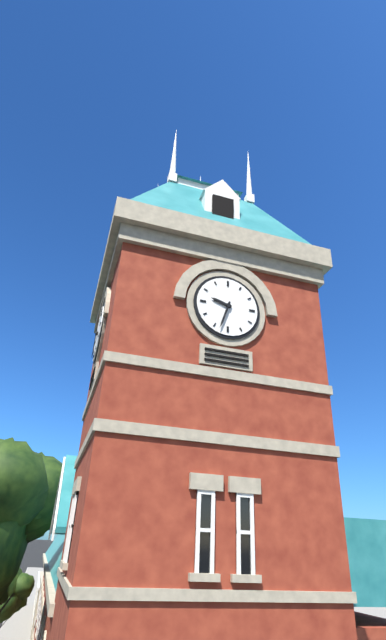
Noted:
9:33
